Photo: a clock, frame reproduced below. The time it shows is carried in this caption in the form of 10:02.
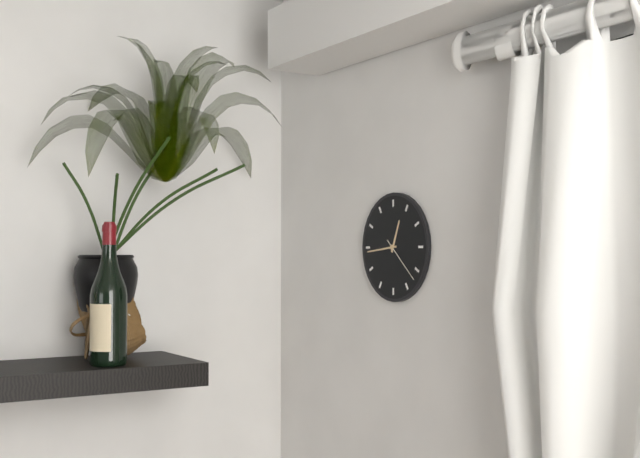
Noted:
12:44
